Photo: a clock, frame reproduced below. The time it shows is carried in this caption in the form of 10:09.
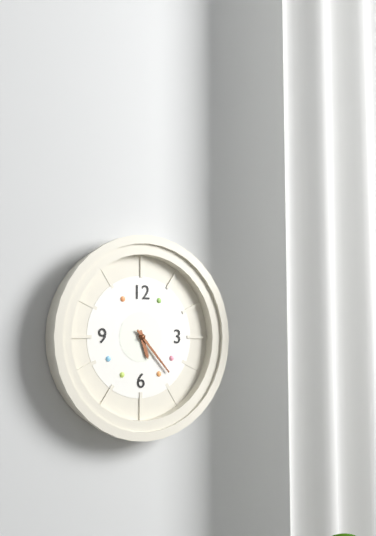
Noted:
5:23
